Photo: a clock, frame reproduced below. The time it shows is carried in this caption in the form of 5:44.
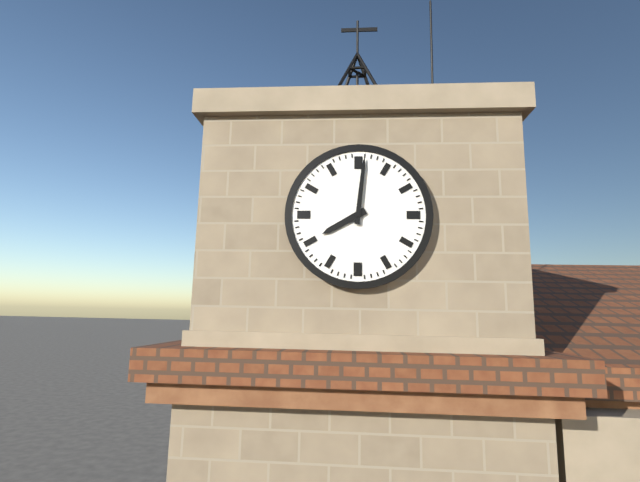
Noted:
8:01
